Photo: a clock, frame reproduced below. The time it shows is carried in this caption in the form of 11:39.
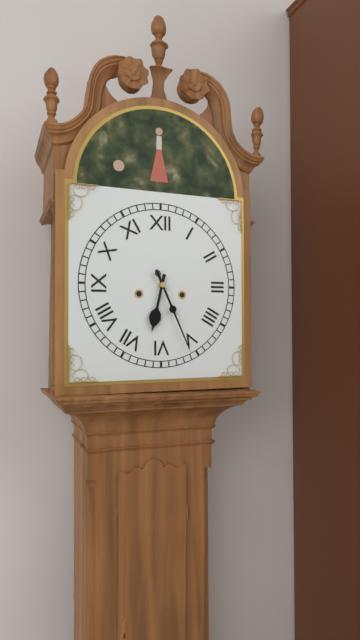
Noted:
6:26
